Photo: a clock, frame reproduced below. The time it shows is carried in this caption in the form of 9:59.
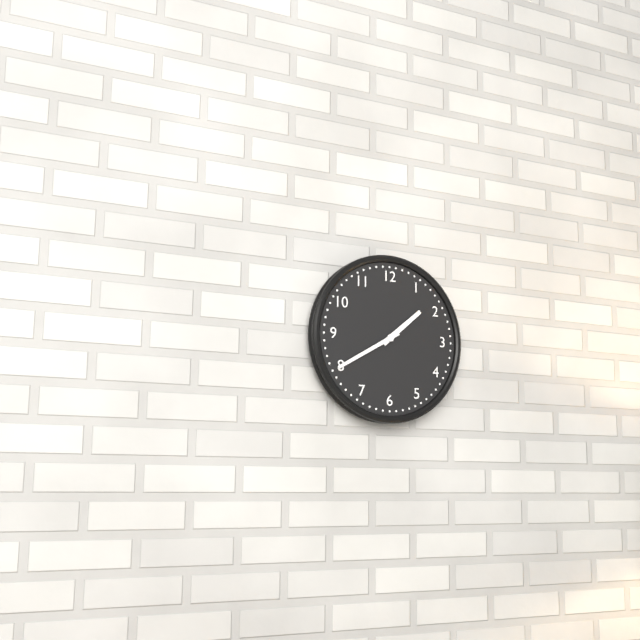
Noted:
1:40
